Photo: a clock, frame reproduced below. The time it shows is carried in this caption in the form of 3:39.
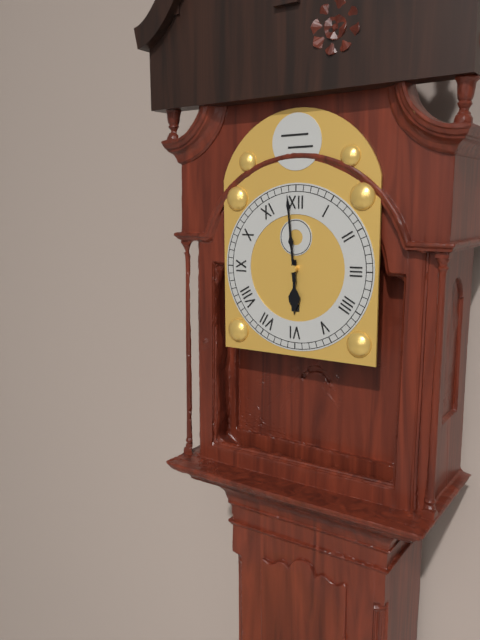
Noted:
5:59
